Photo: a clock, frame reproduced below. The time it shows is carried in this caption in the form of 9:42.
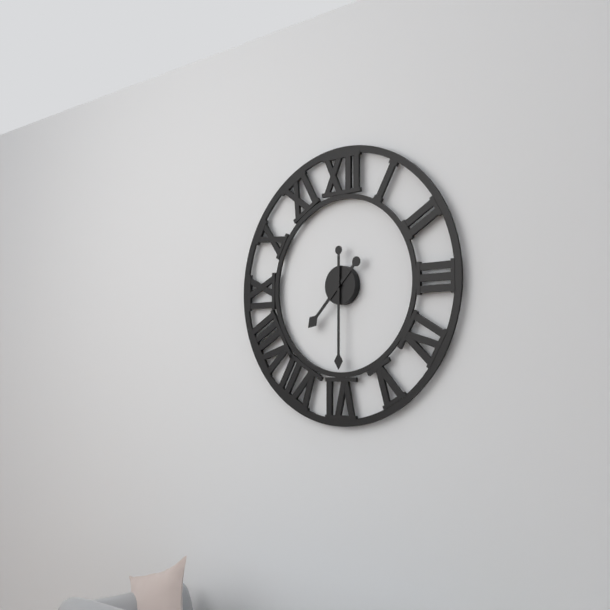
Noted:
7:30
